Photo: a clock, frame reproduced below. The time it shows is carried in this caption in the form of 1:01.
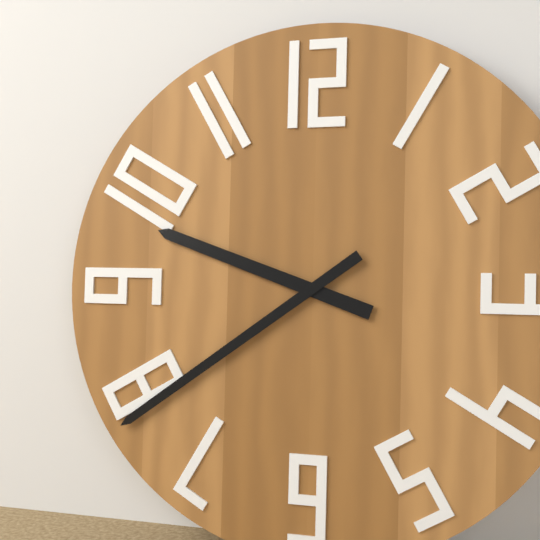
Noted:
9:39
